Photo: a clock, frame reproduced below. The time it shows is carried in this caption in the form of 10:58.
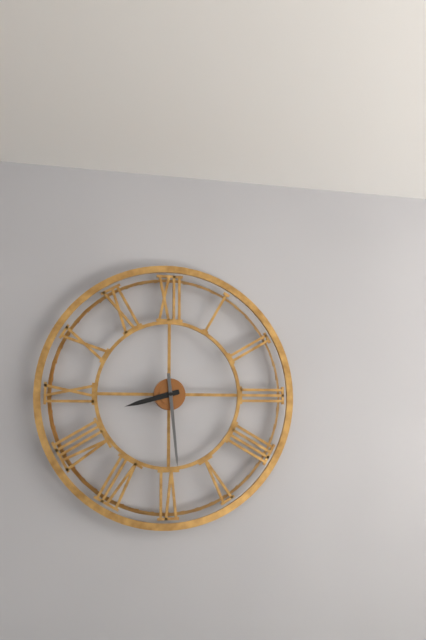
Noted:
8:29
